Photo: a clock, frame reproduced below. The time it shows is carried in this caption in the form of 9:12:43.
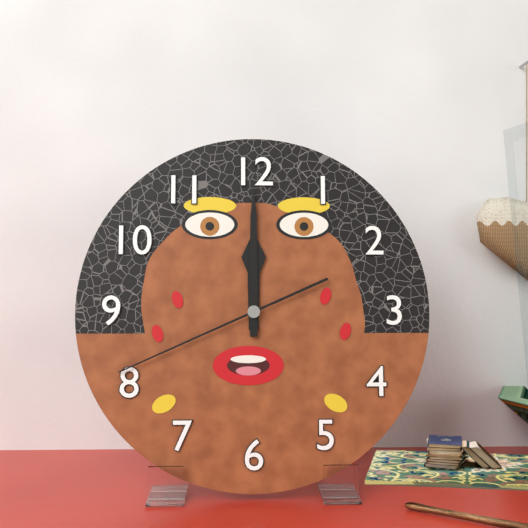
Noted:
12:00:41
